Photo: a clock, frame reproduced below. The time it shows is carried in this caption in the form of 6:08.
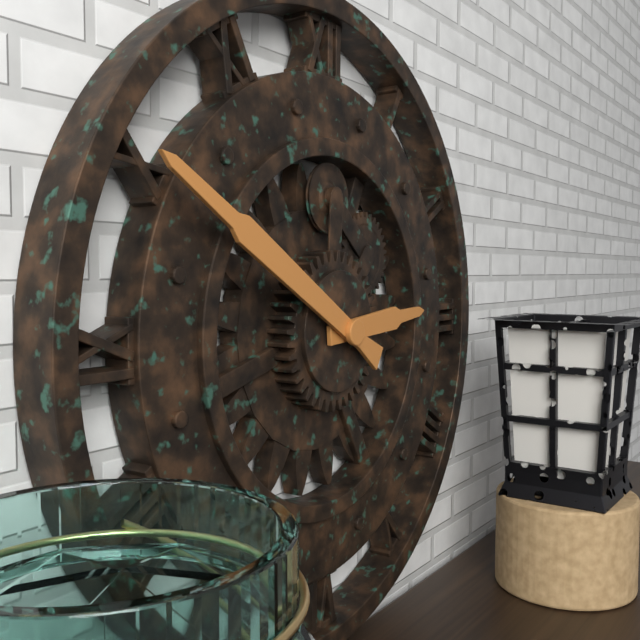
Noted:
2:50
